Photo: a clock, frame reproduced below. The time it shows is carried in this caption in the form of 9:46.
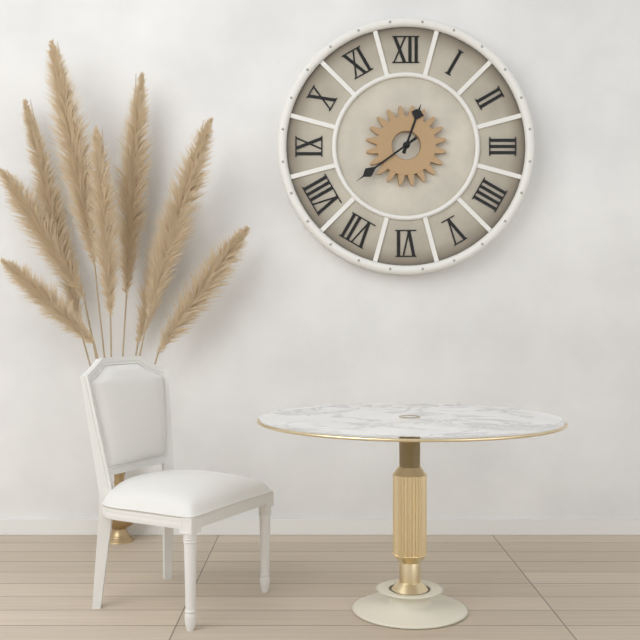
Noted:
12:39
